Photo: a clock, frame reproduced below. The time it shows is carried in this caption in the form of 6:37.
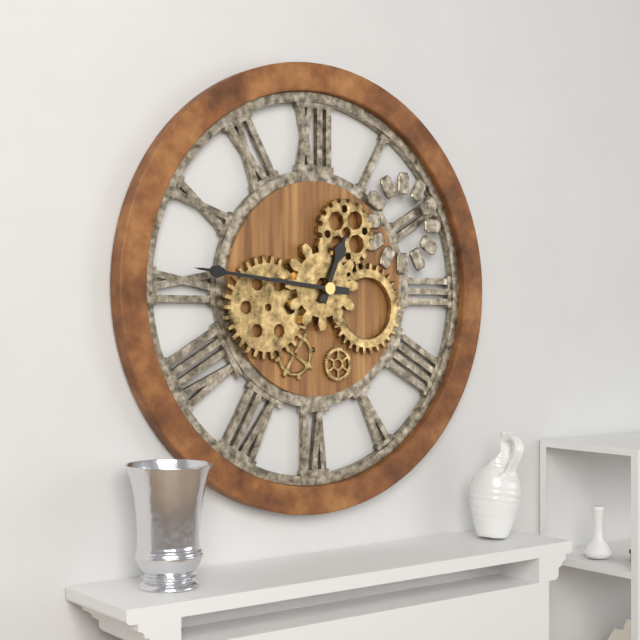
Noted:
12:46
